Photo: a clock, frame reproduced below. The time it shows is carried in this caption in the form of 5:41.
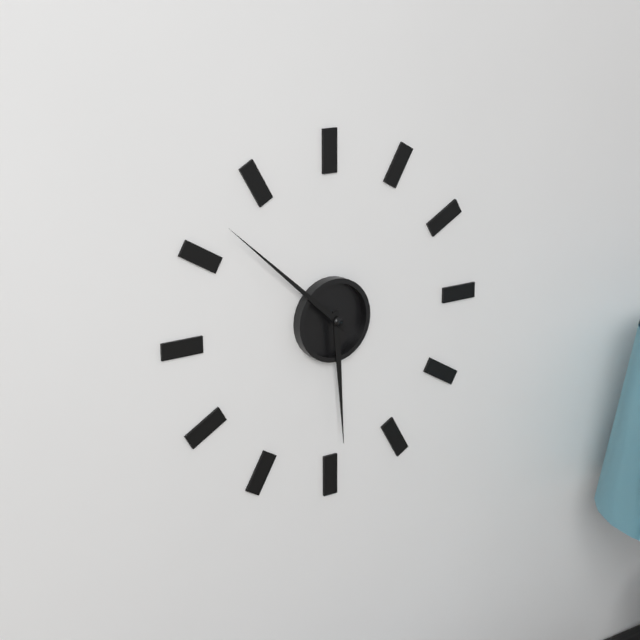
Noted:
5:52
